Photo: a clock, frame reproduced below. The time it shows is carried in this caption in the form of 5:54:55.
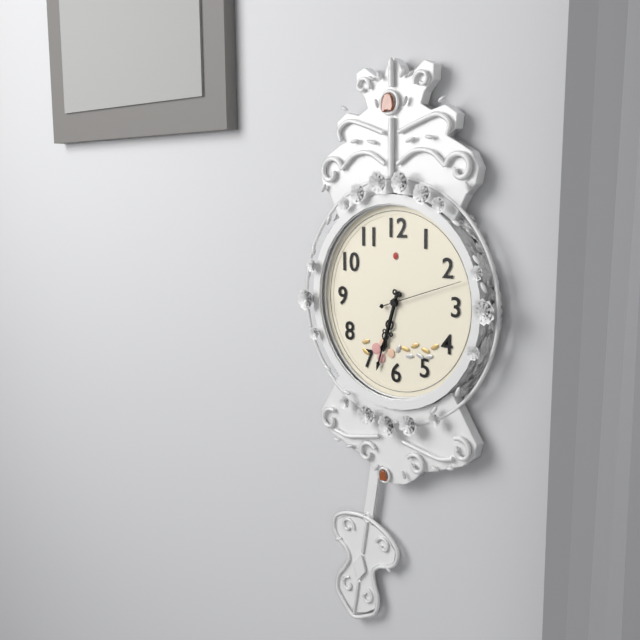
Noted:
6:33:12
